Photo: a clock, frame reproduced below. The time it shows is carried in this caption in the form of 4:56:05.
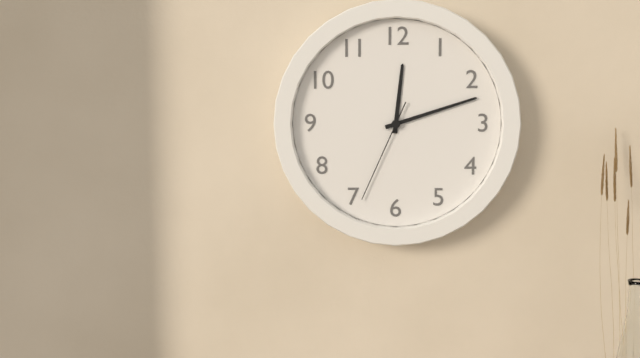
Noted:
12:12:34
